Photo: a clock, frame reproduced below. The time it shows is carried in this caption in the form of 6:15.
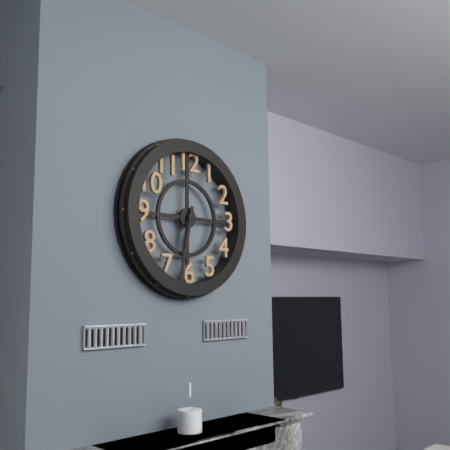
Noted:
6:32
